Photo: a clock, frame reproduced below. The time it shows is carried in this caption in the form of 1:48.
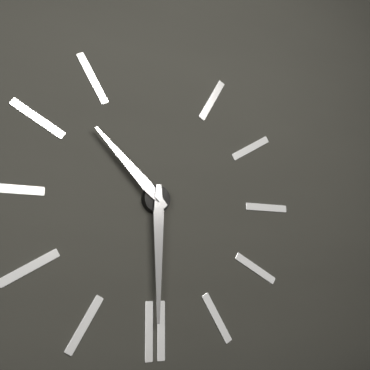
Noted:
10:30
